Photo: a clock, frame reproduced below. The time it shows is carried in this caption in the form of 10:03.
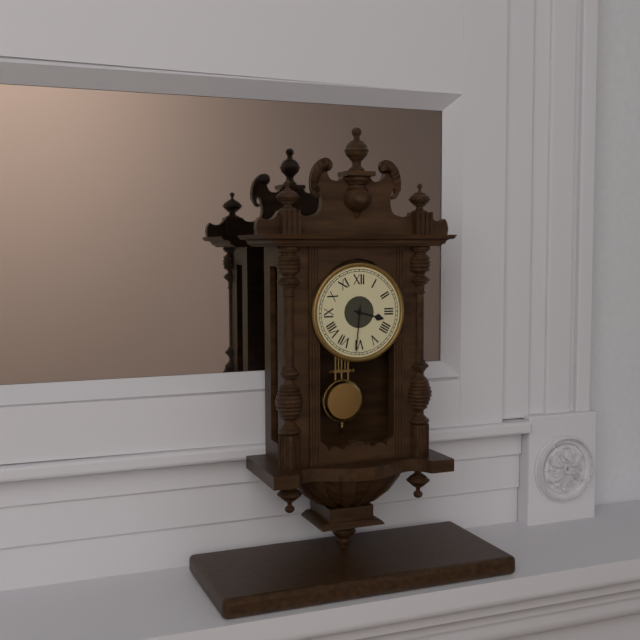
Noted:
3:31
